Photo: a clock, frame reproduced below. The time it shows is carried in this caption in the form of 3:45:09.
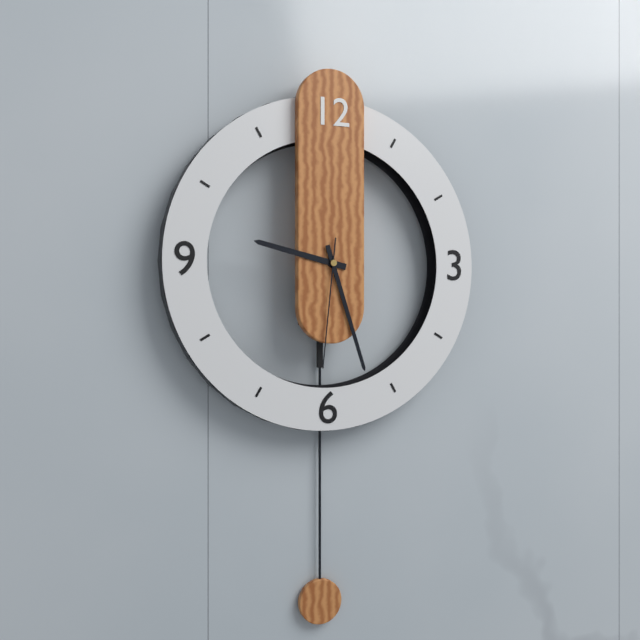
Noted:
9:27:31
